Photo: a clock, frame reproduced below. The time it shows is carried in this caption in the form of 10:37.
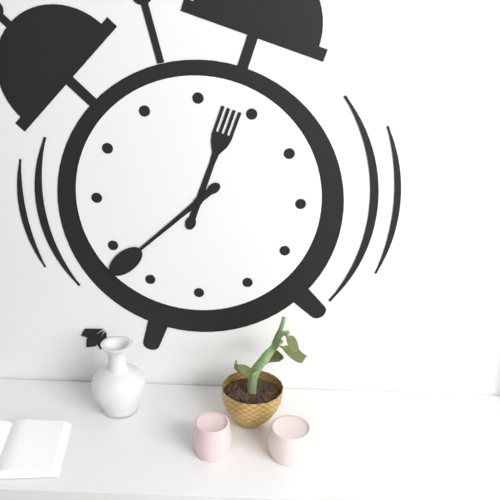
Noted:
12:38
